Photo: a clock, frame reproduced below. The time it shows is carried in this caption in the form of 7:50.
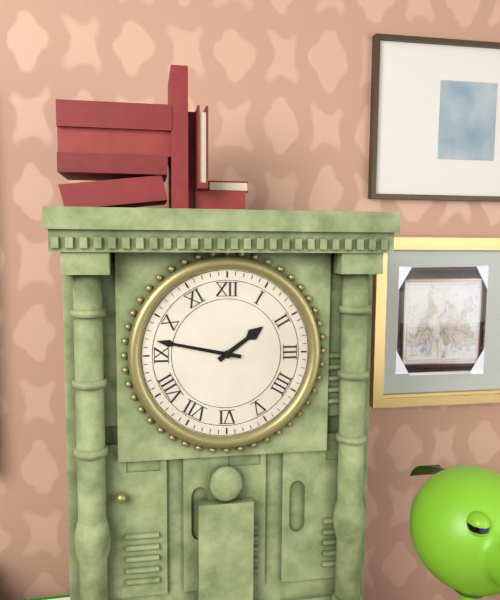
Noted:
1:47
